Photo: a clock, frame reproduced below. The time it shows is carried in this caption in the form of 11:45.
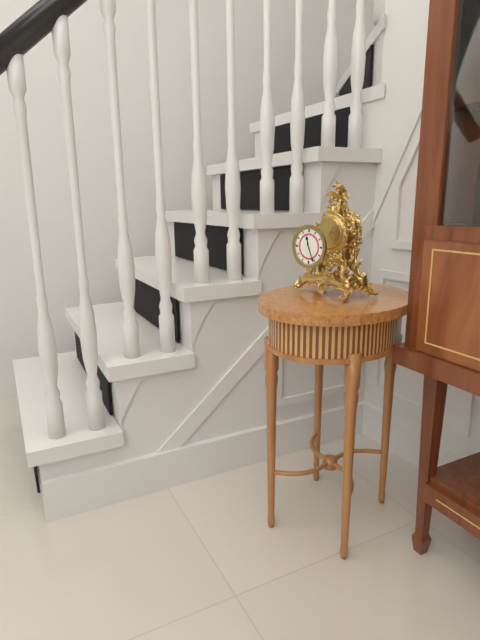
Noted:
11:26
